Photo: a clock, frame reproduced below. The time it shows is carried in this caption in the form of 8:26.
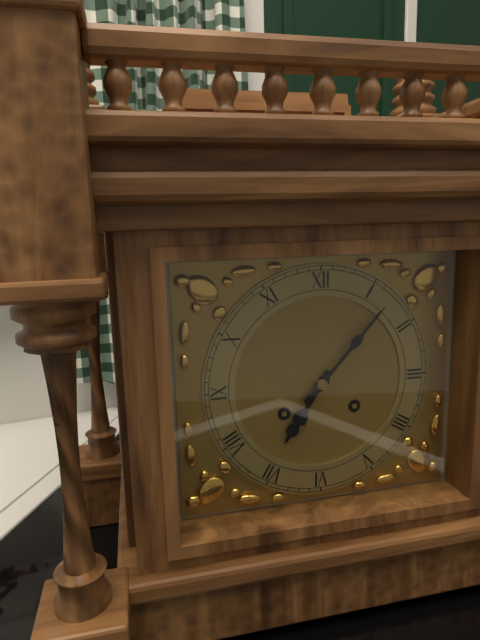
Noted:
7:07
